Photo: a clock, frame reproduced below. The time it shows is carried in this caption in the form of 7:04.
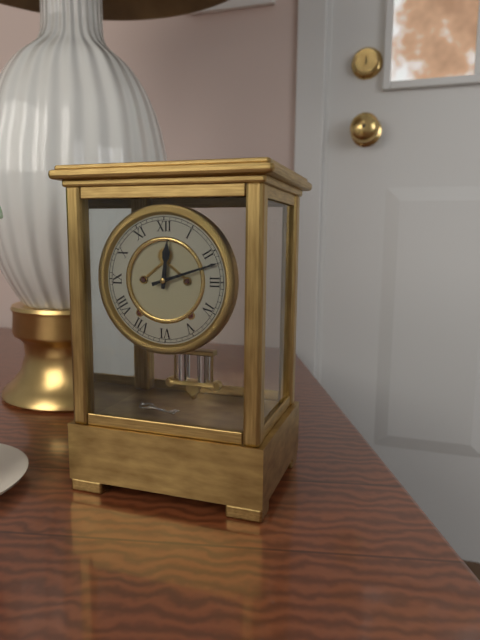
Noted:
12:12
